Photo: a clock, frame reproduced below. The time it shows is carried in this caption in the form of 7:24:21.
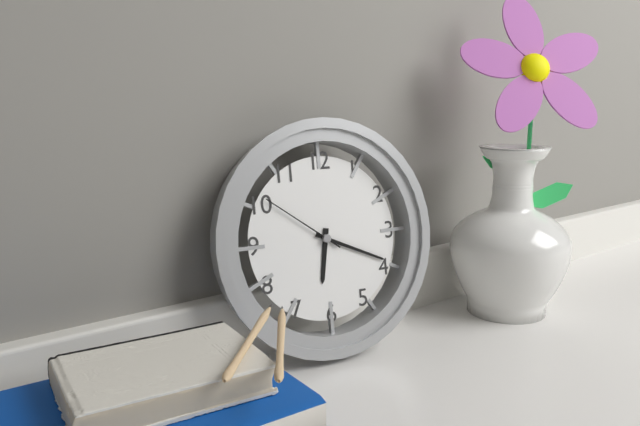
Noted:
6:19:51
